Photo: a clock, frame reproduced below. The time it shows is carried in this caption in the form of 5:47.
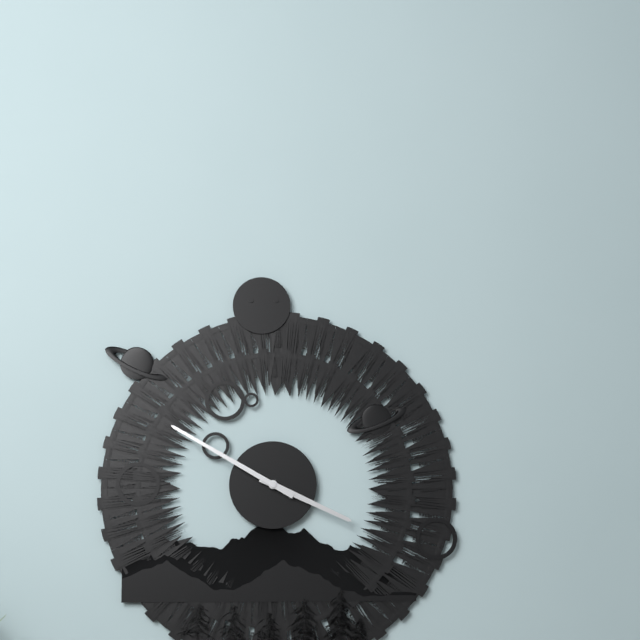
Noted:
3:50
